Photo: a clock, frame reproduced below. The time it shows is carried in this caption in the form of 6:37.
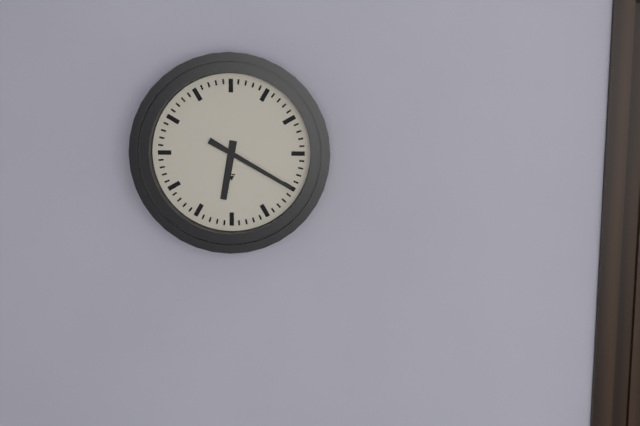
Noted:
6:20
